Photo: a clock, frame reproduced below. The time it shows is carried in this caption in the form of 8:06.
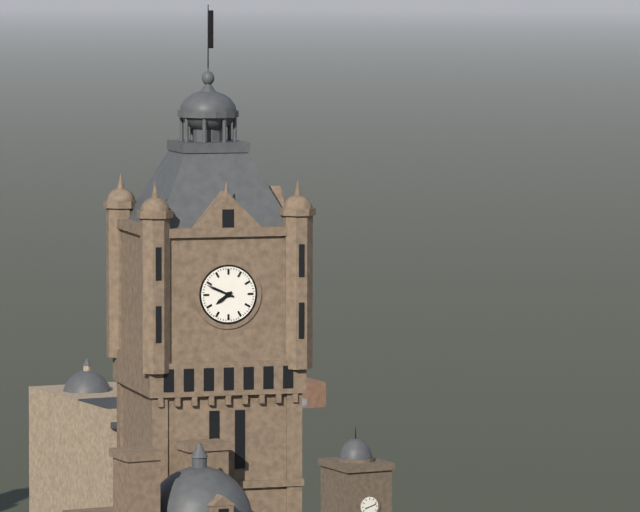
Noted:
7:49
